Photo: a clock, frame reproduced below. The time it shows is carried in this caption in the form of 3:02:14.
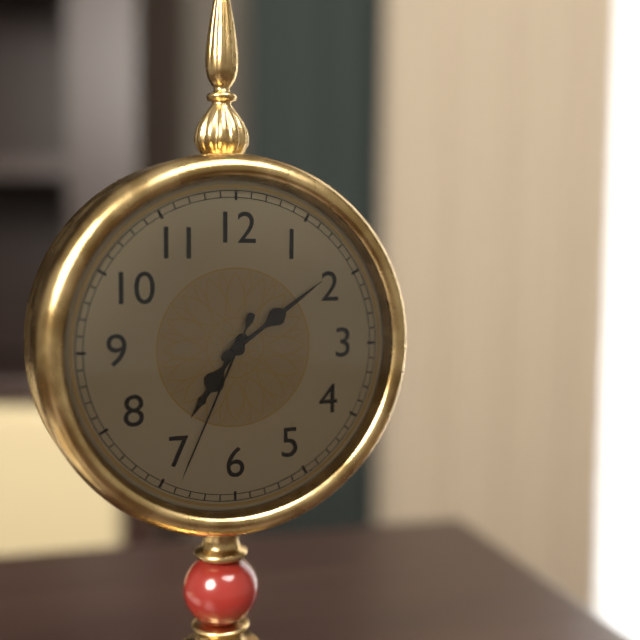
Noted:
7:09:34
